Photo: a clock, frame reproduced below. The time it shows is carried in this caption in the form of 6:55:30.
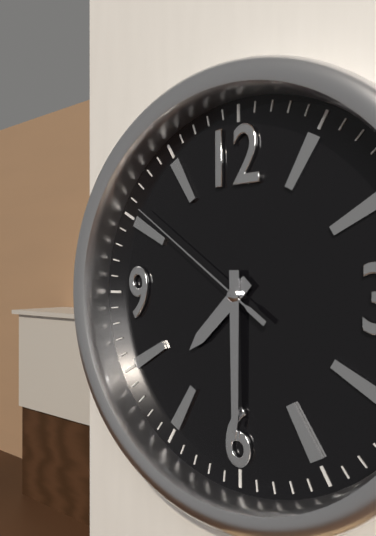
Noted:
7:30:51
